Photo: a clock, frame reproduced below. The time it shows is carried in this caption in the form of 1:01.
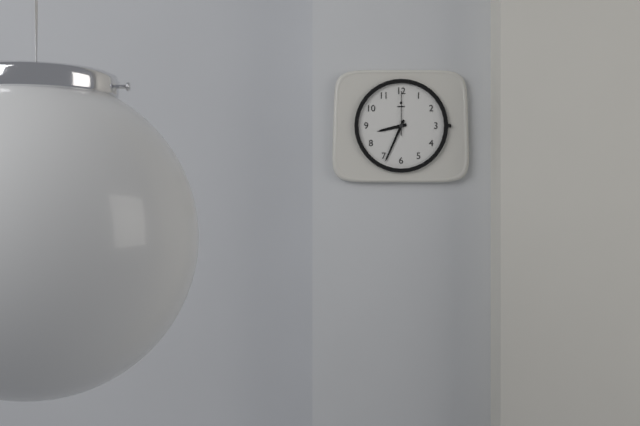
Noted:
8:34
